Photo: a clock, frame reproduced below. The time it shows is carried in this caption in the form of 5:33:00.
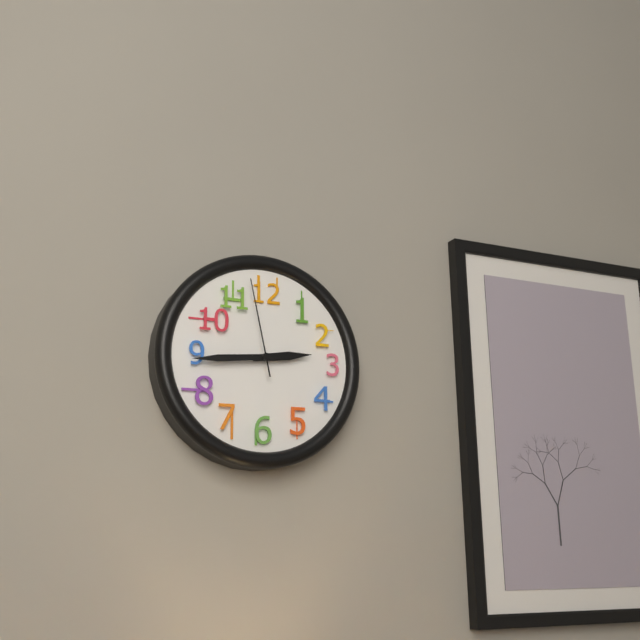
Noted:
2:44:58
